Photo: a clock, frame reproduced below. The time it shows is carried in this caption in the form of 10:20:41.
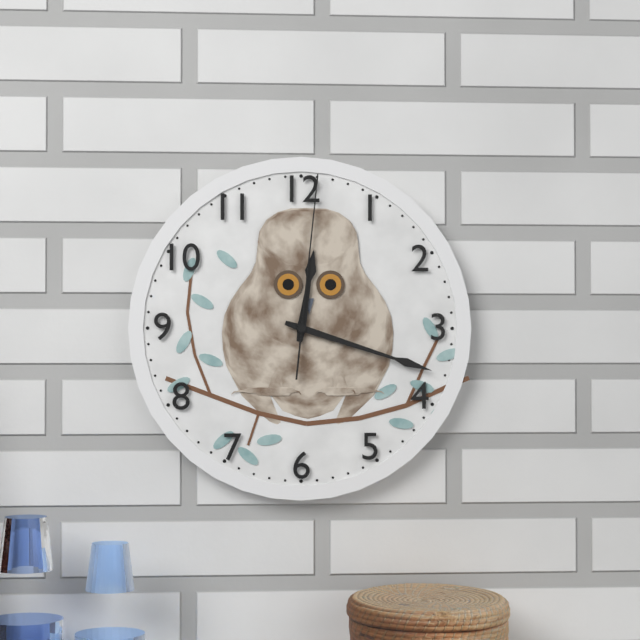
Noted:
12:18:01
